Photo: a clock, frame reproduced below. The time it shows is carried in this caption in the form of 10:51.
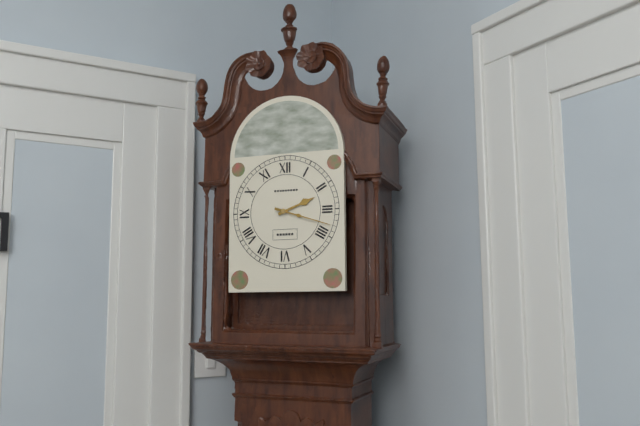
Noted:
2:18
